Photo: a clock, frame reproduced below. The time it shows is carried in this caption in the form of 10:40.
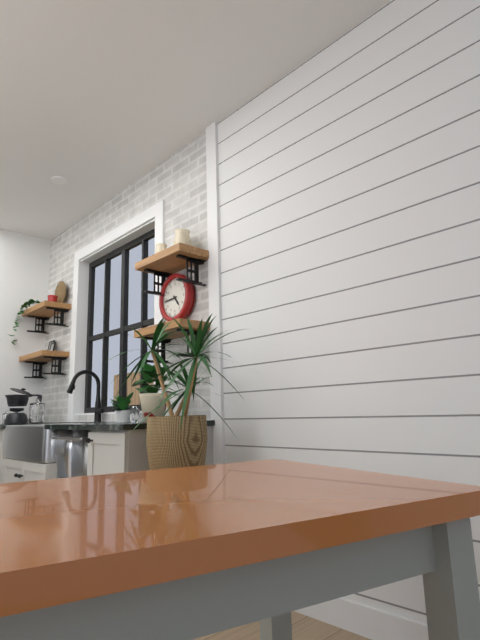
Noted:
4:44
